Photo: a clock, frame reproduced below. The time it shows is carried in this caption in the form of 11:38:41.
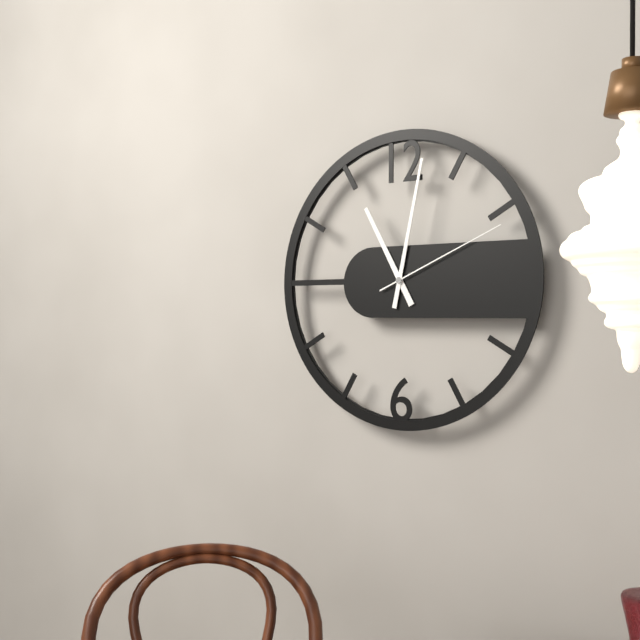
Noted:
11:02:11
